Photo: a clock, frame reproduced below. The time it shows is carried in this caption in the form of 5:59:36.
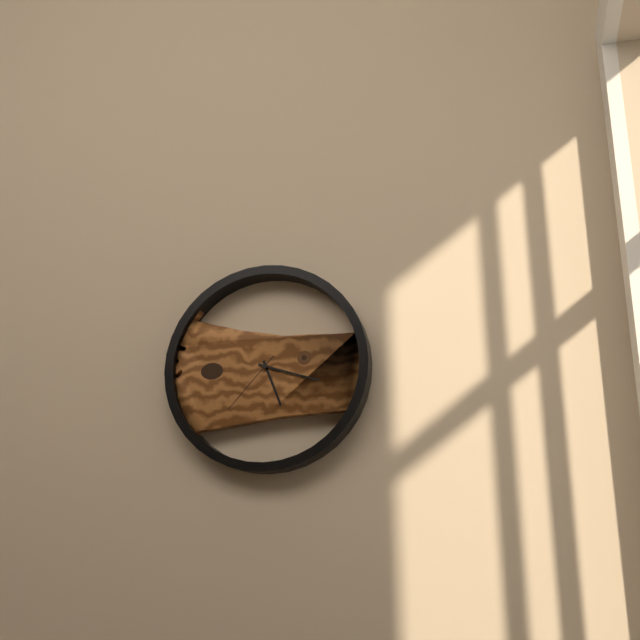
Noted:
5:18:37
